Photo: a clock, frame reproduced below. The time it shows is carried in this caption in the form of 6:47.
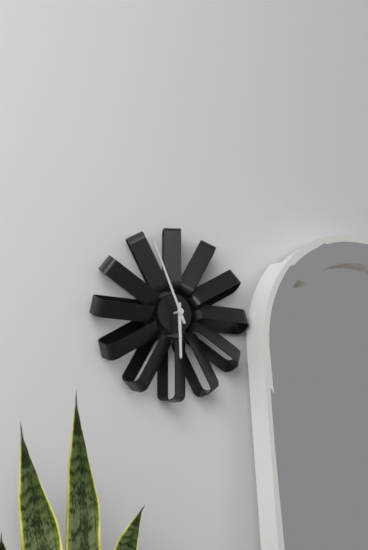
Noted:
5:56
